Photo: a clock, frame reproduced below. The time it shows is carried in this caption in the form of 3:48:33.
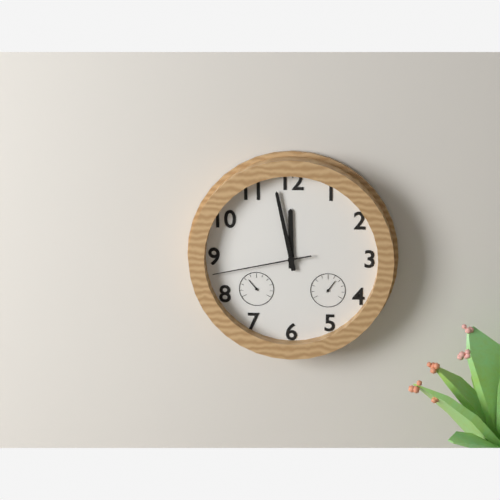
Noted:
11:58:43
